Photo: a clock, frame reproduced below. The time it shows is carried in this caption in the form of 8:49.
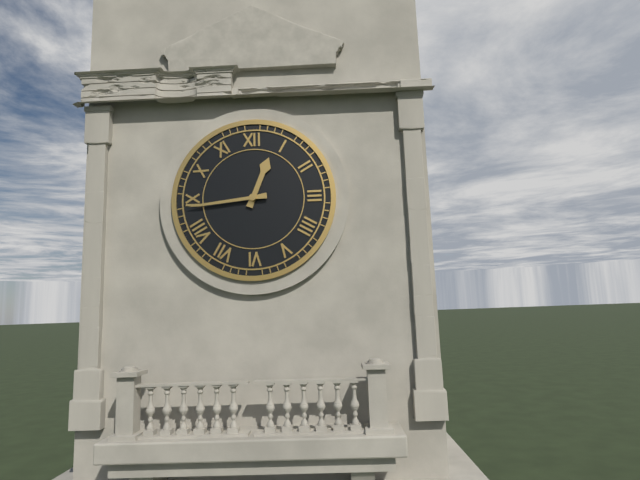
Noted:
12:44
